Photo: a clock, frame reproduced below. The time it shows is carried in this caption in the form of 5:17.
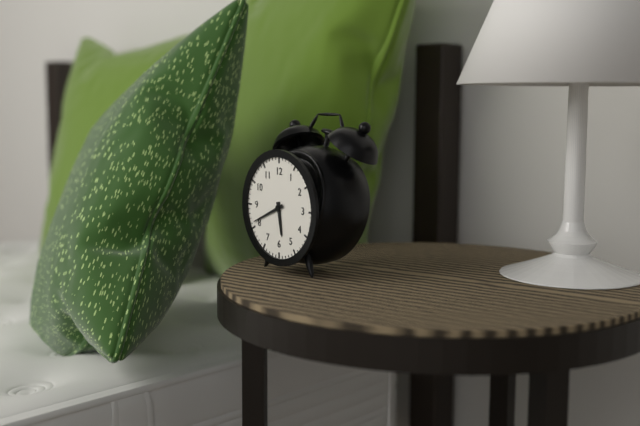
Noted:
5:41
